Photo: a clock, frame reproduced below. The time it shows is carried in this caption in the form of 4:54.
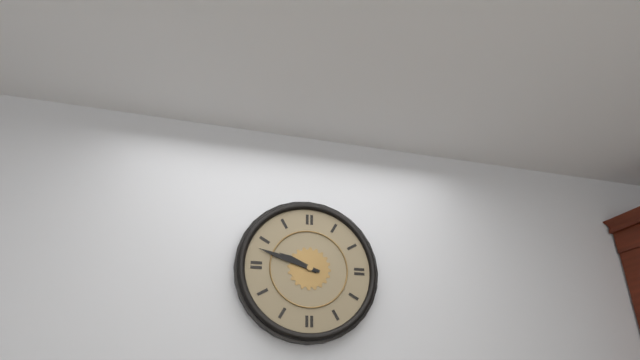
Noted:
9:48
